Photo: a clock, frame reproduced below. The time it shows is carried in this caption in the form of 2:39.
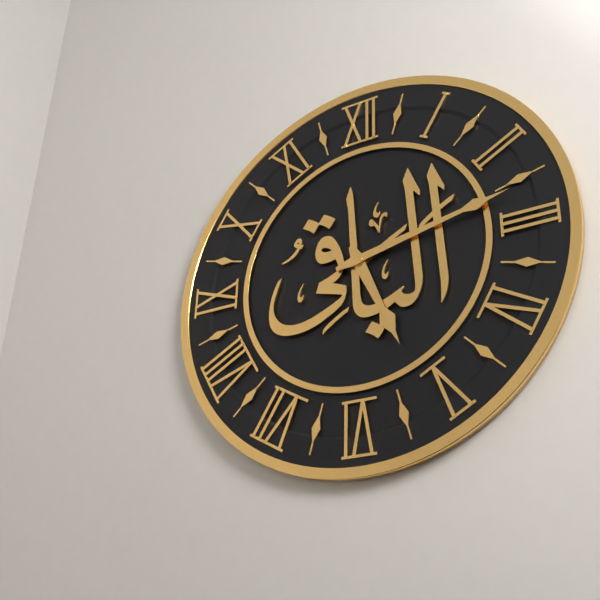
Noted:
5:13
